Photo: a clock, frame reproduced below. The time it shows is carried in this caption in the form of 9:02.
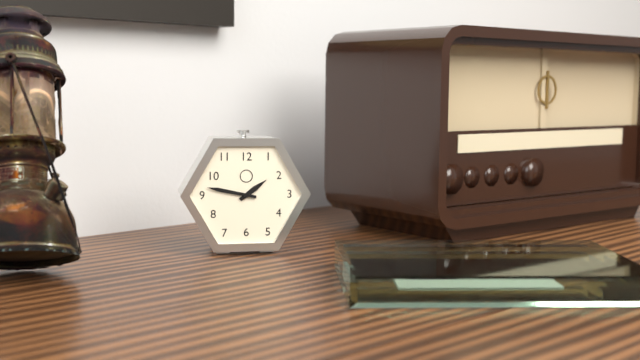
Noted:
1:47
